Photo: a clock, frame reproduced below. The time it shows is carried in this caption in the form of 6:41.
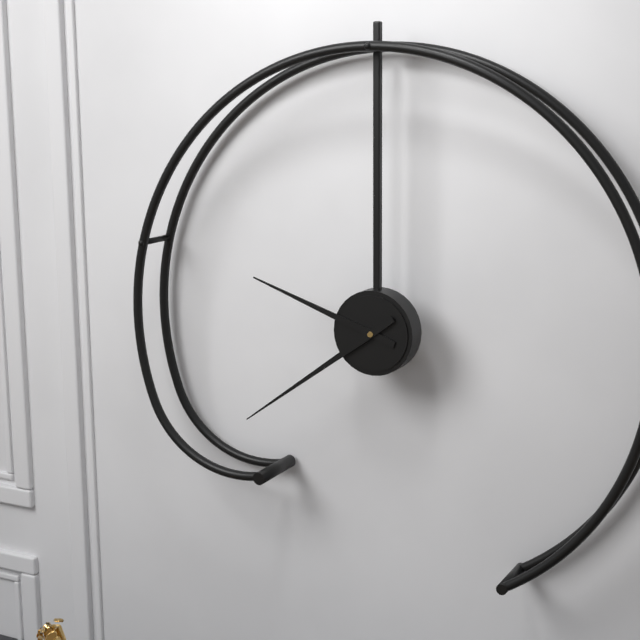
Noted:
9:39
